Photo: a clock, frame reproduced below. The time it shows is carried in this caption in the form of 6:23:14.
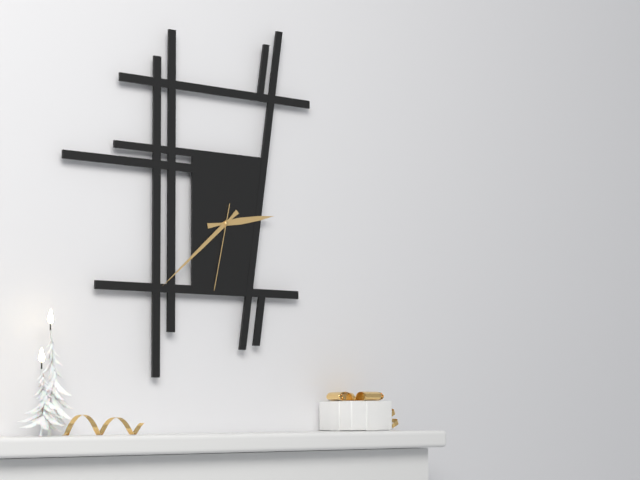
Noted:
2:38:32
